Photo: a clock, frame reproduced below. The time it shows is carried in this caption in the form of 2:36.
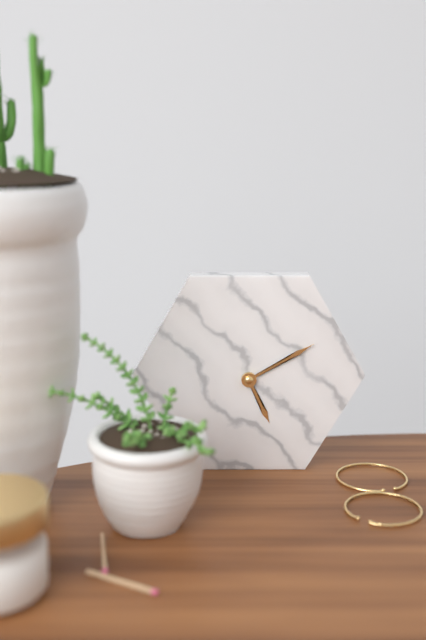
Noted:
5:10
